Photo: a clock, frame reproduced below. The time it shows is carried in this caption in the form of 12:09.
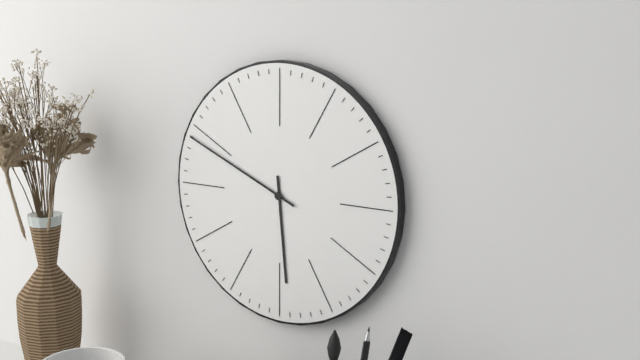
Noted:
5:49
